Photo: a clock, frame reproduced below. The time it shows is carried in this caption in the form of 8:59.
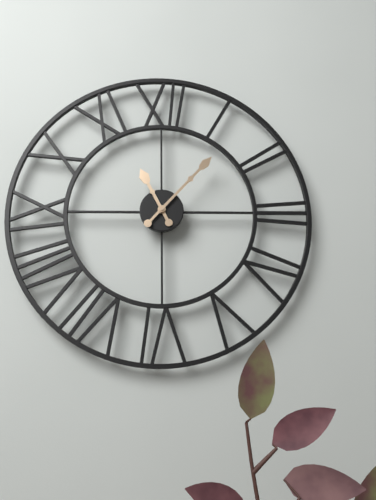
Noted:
11:07
